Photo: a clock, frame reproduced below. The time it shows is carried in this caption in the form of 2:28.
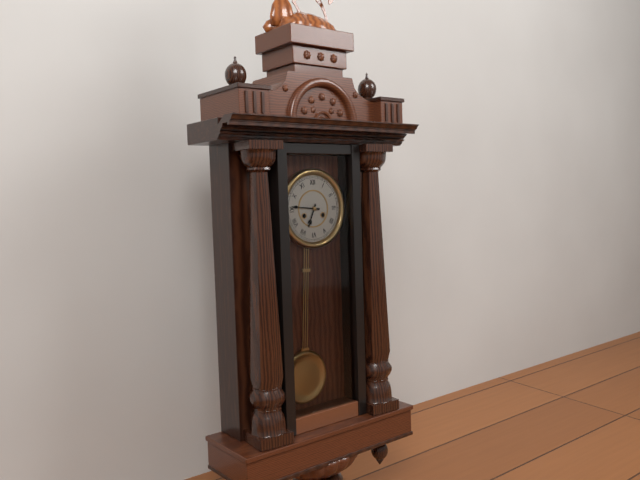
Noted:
6:46
